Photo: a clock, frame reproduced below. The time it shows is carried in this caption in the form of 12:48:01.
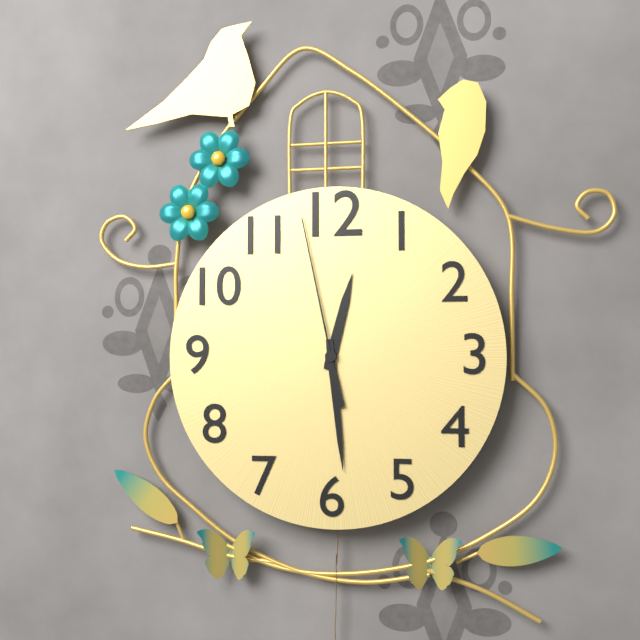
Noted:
12:29:58
